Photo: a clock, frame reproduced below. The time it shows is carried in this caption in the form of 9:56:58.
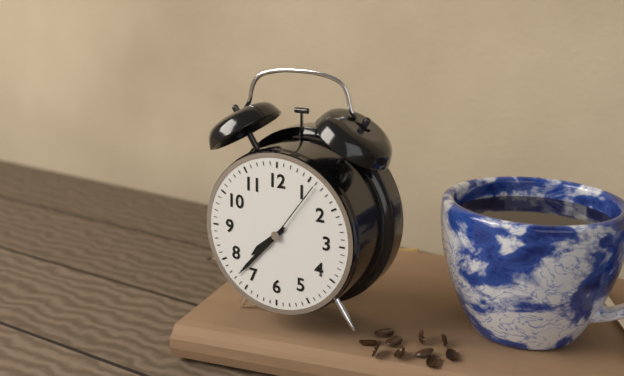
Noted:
7:37:06
